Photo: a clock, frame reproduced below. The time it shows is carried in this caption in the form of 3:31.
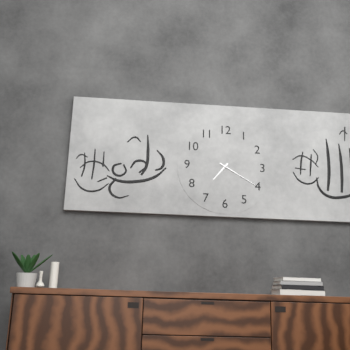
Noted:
7:20
